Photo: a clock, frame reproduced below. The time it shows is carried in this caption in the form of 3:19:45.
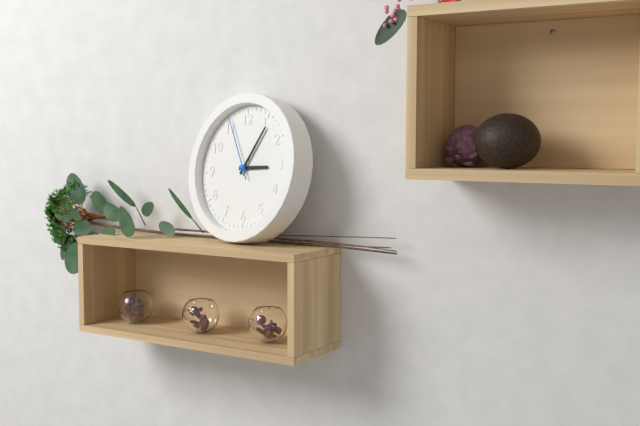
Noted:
3:06:56
